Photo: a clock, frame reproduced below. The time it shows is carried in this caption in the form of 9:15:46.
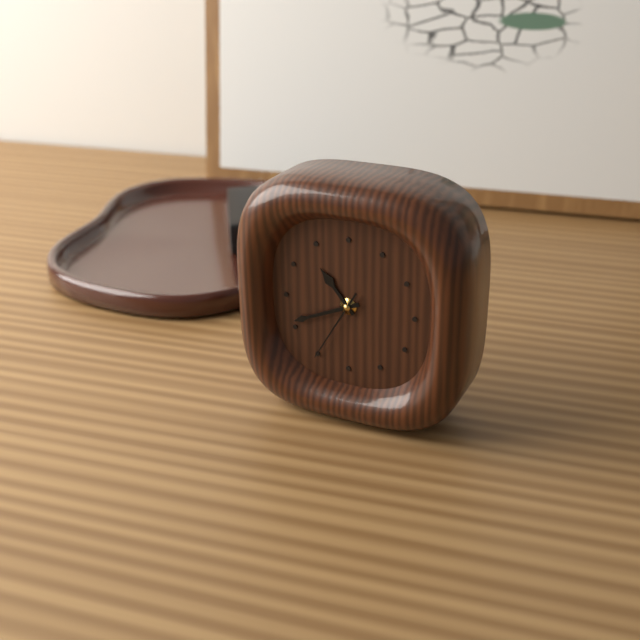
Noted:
10:41:35
